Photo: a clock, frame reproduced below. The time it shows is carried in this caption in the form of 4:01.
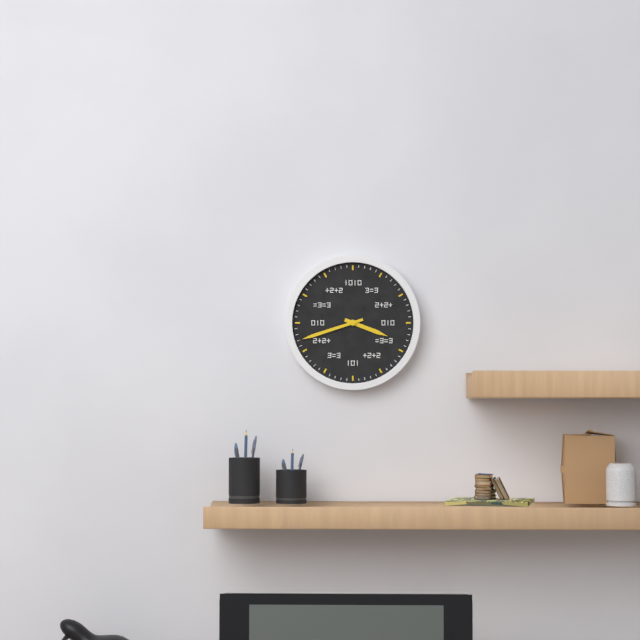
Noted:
3:42
